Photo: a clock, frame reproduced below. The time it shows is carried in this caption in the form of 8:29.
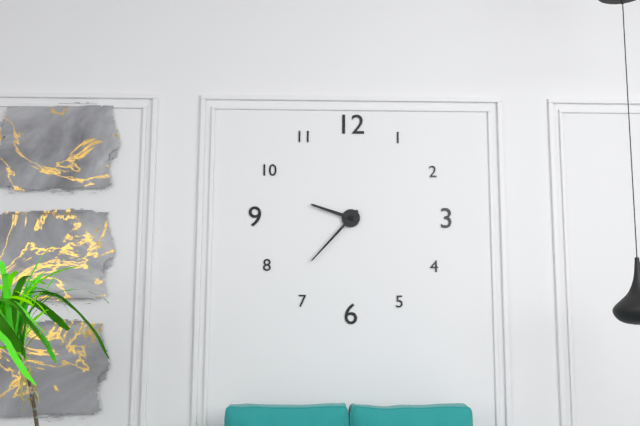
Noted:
9:37
